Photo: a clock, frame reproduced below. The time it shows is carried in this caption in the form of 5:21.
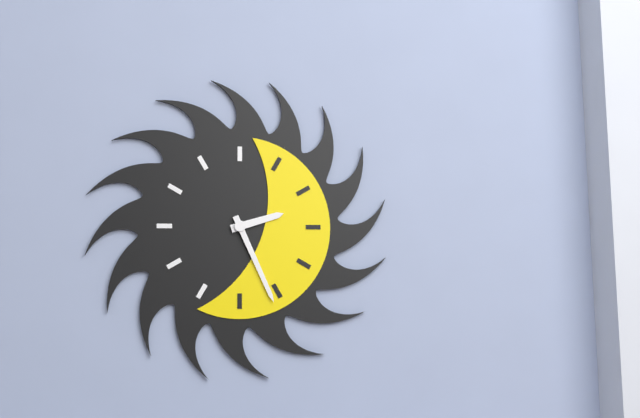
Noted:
2:26
